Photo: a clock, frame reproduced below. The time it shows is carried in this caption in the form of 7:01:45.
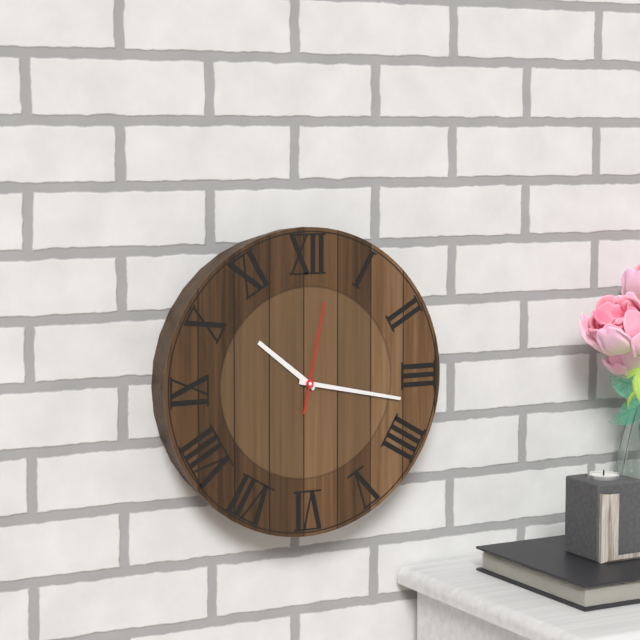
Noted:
10:17:02
